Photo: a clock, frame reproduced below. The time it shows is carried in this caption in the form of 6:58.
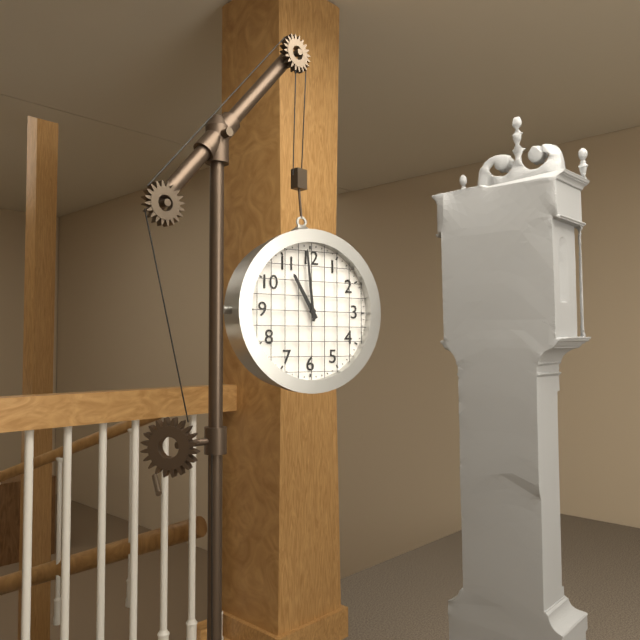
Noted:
10:59
